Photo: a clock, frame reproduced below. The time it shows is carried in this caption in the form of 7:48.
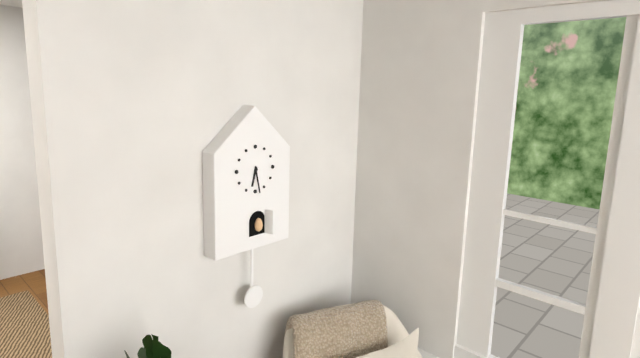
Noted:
6:28
